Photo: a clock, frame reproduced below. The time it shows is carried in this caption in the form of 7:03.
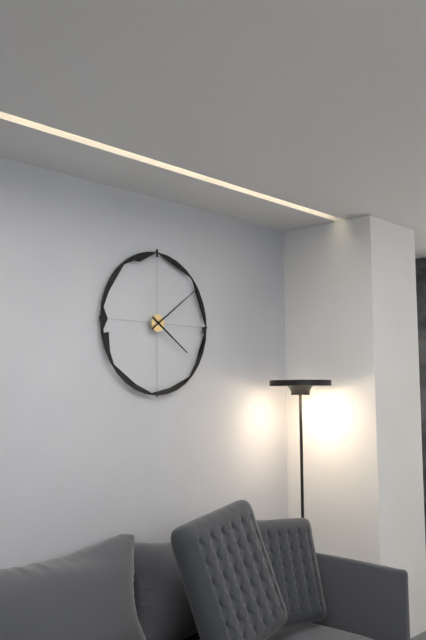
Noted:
4:09
